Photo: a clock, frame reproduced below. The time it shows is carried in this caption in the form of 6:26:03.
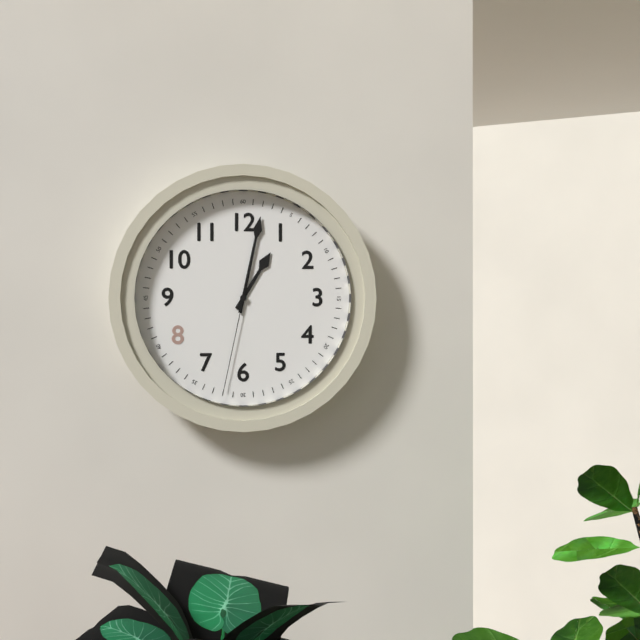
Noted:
1:02:32
